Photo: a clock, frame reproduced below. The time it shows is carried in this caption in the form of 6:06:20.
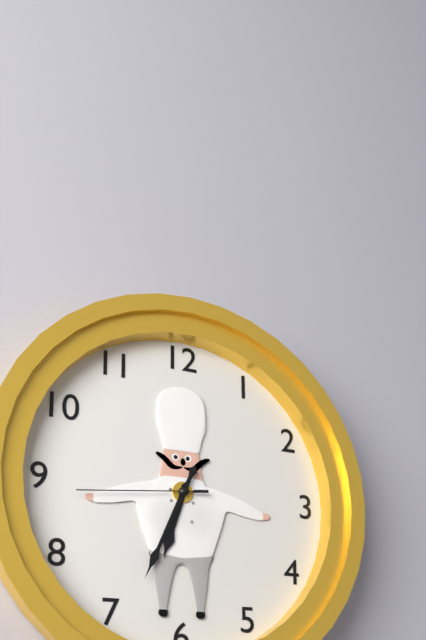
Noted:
6:34:44
